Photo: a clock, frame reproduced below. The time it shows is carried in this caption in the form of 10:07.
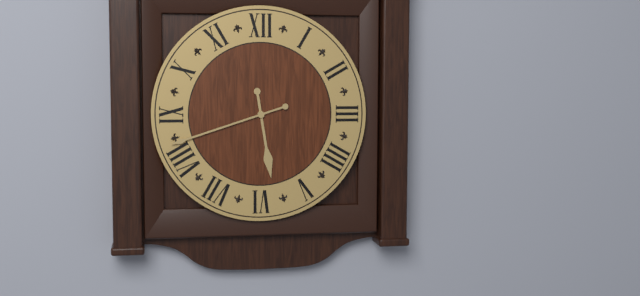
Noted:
5:42
